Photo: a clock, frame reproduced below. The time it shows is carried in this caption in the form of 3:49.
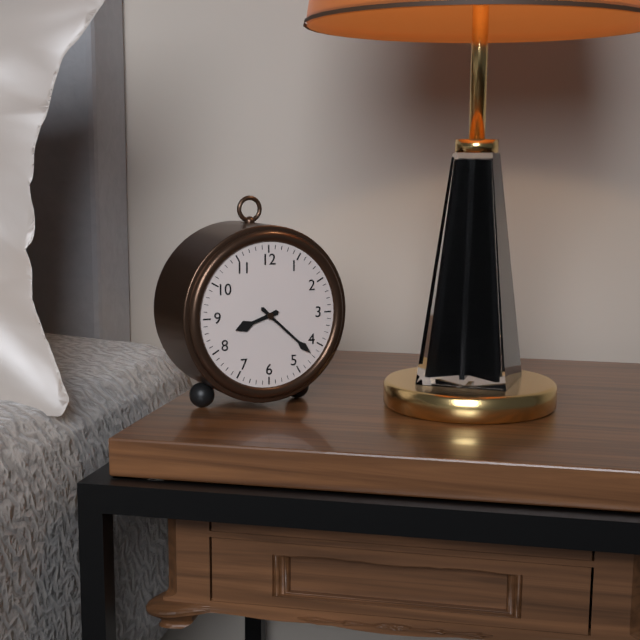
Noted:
8:22
